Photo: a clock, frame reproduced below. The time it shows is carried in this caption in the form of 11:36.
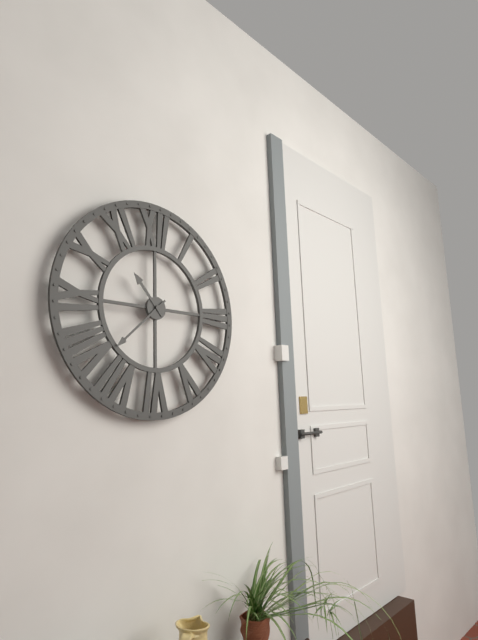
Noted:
10:38
